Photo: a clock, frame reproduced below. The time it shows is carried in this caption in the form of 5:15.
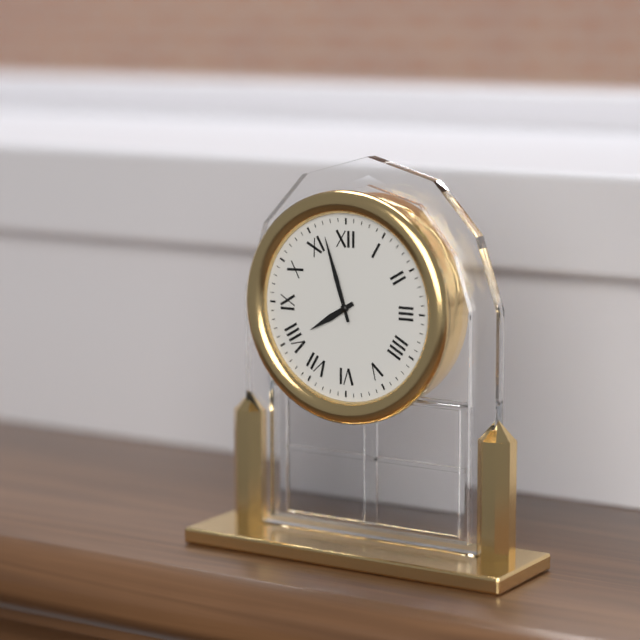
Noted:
7:57
